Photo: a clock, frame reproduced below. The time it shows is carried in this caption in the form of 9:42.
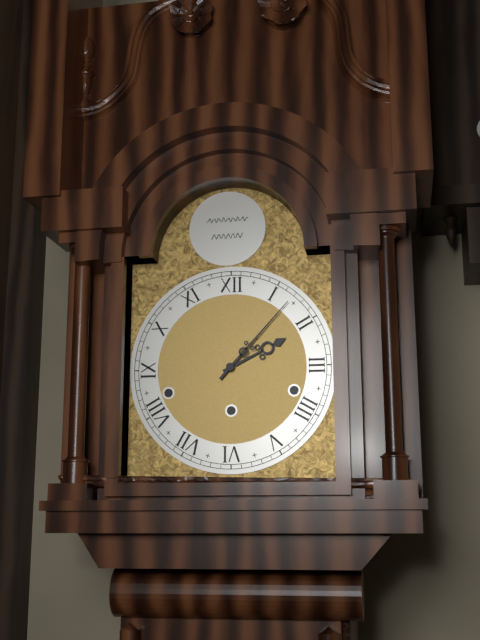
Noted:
2:07
